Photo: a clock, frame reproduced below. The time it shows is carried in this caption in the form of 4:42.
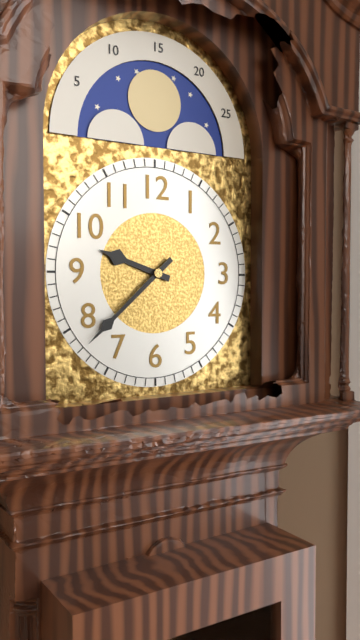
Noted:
9:38
